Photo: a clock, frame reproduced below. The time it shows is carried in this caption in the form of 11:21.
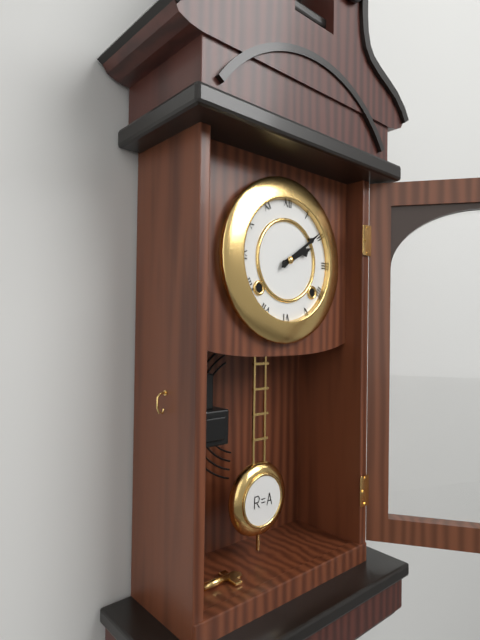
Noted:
2:09
